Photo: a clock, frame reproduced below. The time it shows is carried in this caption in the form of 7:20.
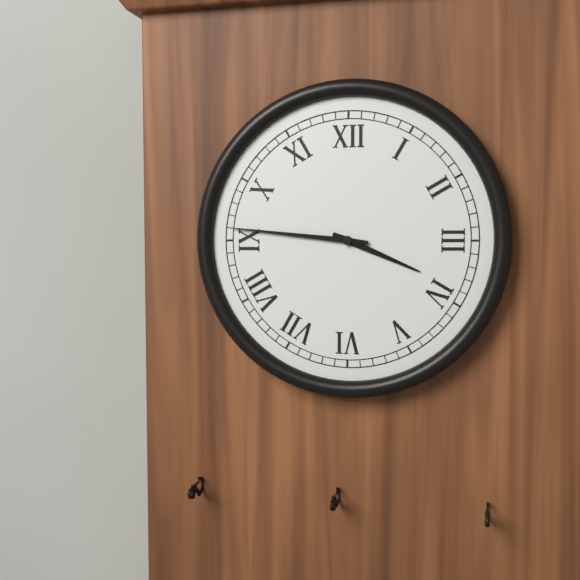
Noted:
3:46
